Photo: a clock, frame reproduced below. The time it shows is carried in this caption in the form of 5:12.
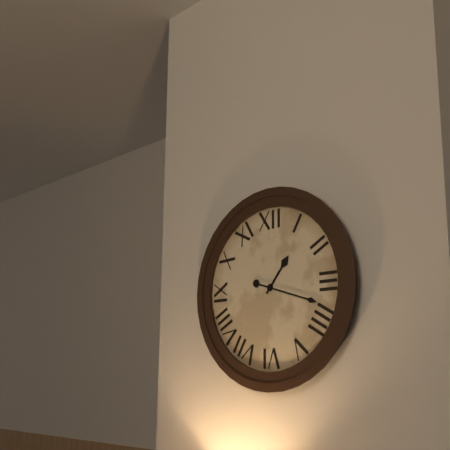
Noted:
1:18
